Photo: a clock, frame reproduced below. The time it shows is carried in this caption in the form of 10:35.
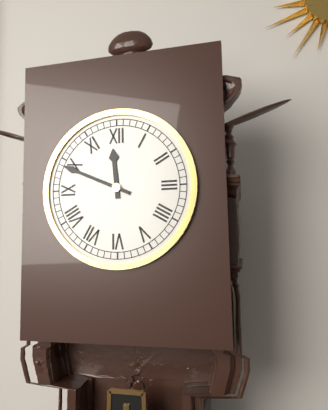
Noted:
11:49
